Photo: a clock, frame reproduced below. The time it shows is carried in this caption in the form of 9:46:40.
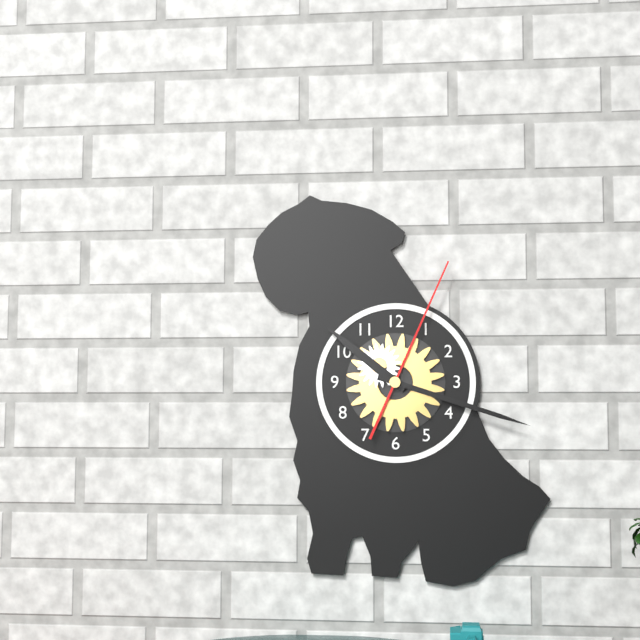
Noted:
10:18:04
